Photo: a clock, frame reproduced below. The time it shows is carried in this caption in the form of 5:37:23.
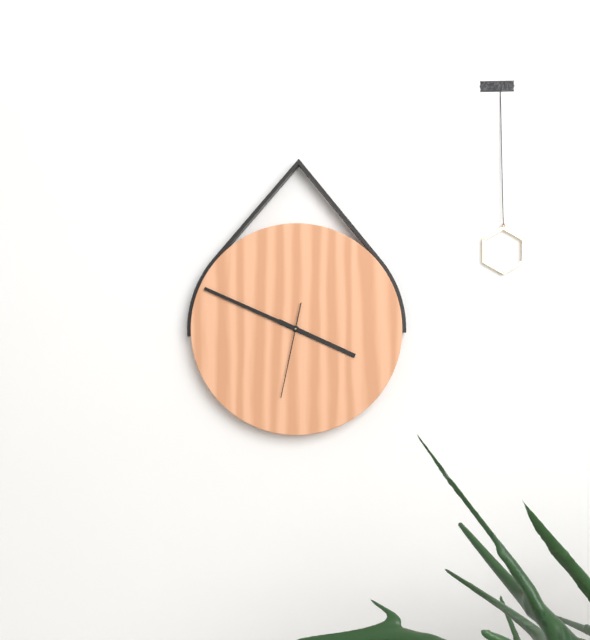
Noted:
3:49:32
